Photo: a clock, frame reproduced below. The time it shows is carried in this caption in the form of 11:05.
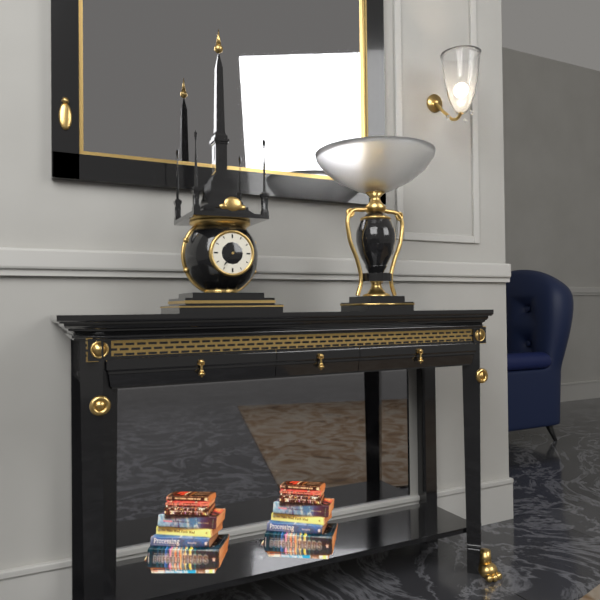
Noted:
10:36
